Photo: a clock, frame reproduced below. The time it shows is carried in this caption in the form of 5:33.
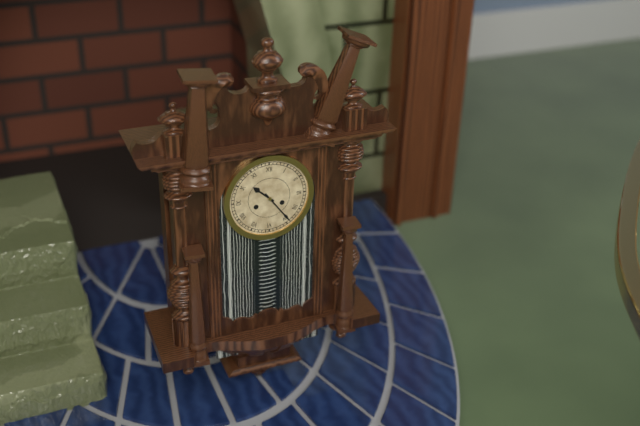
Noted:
10:24
